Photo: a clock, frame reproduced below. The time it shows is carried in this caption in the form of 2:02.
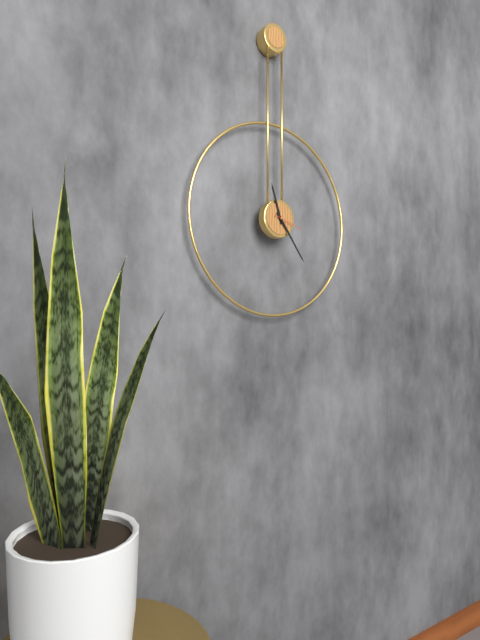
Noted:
11:24
